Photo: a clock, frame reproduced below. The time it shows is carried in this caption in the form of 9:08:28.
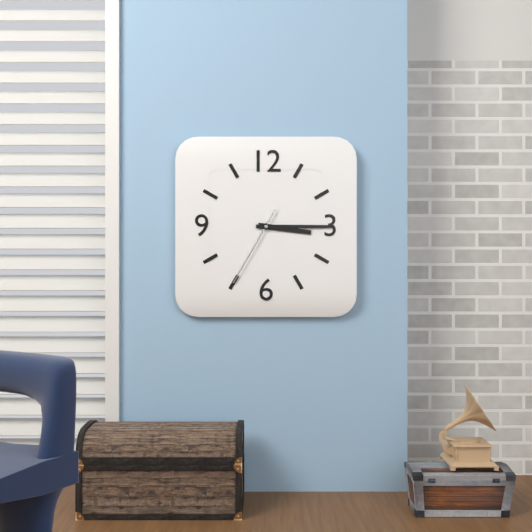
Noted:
3:15:35
